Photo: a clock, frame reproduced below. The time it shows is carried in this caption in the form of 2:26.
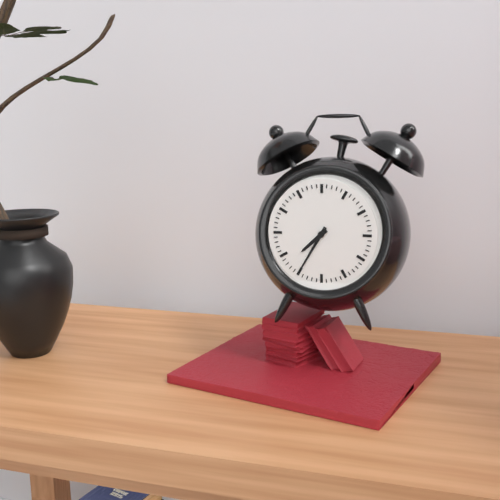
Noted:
7:35
